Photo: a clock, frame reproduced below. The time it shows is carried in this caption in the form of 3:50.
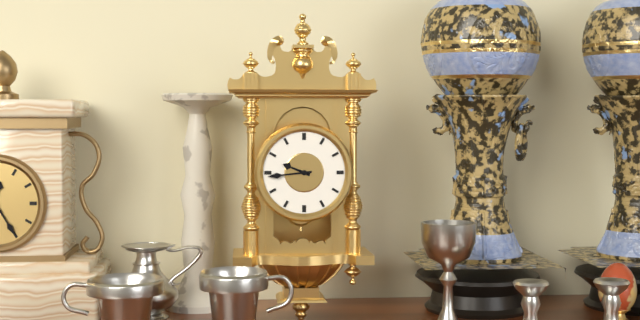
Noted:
9:44
